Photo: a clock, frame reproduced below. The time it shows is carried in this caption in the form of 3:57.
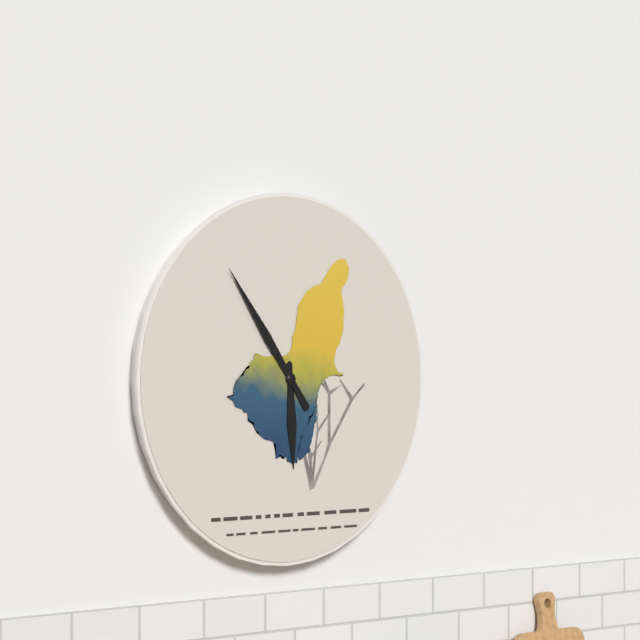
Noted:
5:54
